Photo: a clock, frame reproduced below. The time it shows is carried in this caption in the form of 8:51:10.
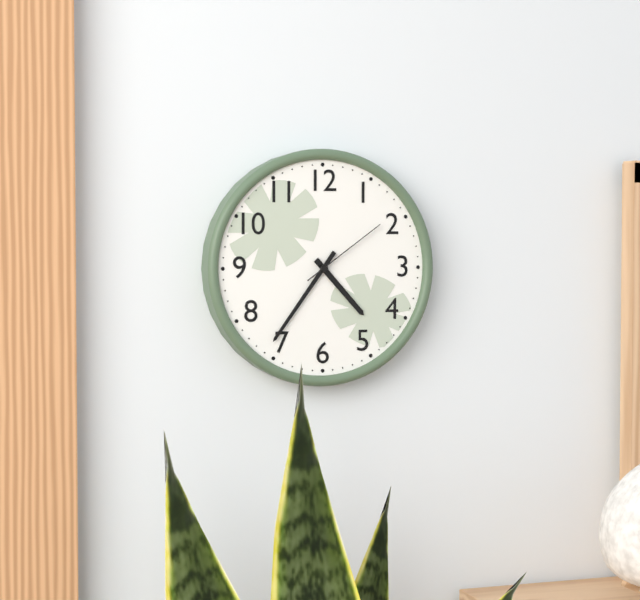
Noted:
4:36:09
